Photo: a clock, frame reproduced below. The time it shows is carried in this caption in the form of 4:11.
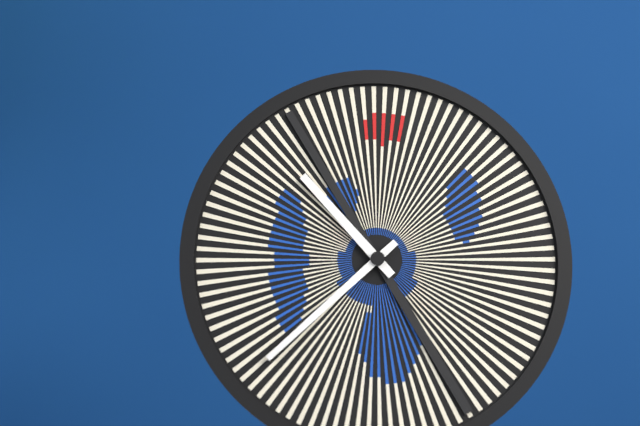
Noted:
10:38
